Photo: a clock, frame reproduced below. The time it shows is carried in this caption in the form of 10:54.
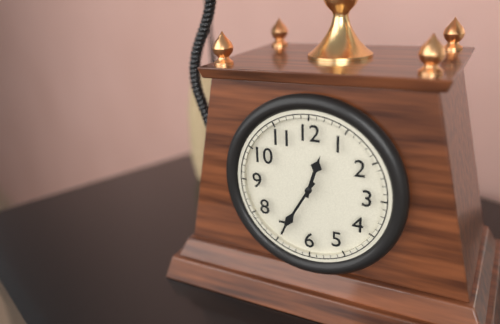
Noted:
12:35
